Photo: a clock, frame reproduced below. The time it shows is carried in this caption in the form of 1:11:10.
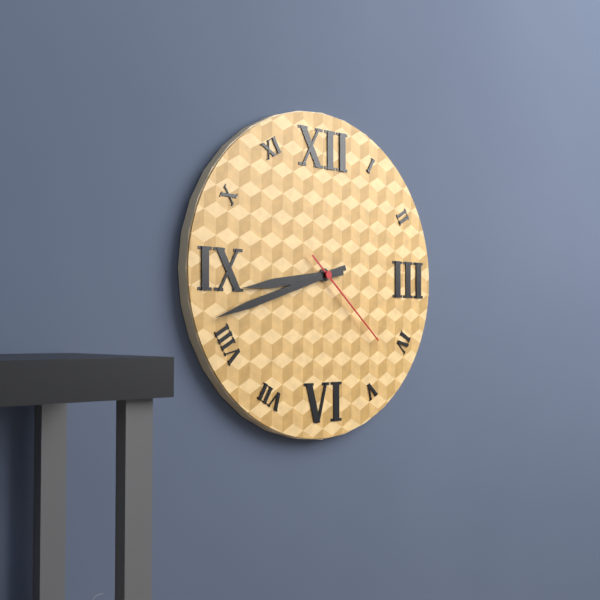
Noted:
8:42:22
